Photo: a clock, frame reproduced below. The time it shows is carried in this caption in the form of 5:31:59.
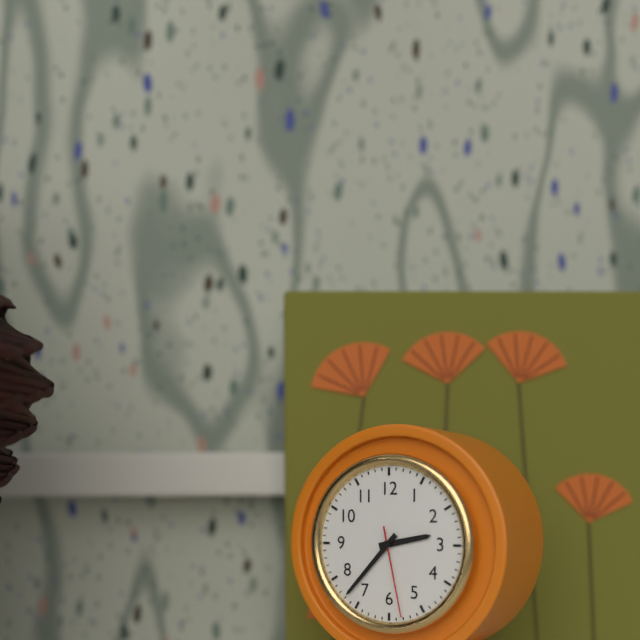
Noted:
2:37:28
